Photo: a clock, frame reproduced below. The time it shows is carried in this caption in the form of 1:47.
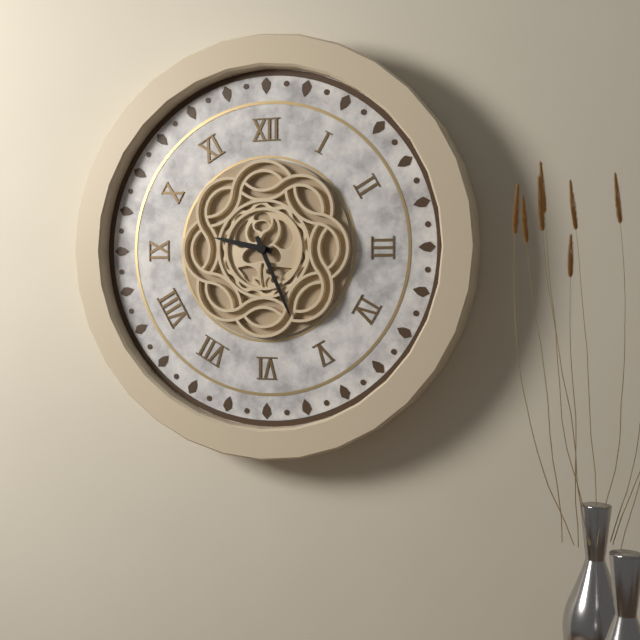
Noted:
9:26
